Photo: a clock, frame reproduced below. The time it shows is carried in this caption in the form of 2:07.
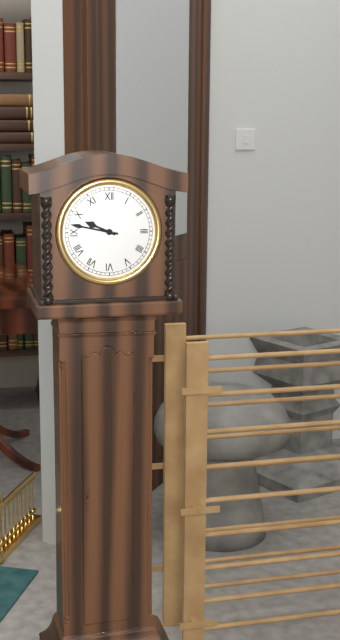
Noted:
9:47
